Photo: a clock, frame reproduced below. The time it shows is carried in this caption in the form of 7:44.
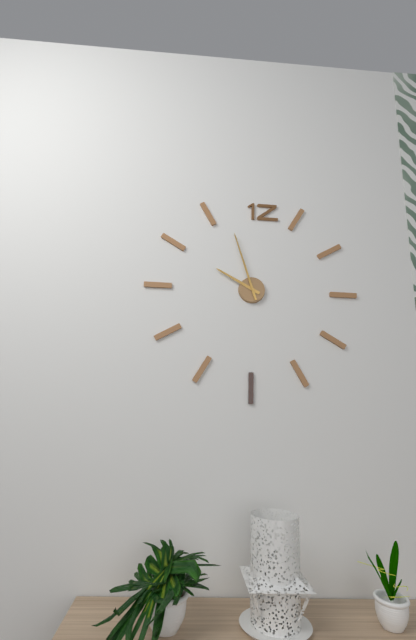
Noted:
9:57
